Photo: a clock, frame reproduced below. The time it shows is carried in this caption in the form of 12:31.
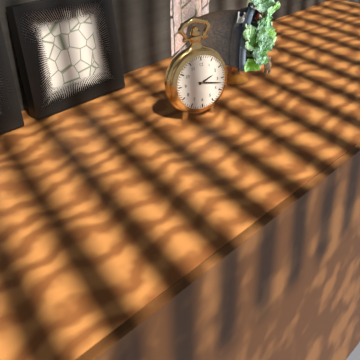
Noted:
2:17
